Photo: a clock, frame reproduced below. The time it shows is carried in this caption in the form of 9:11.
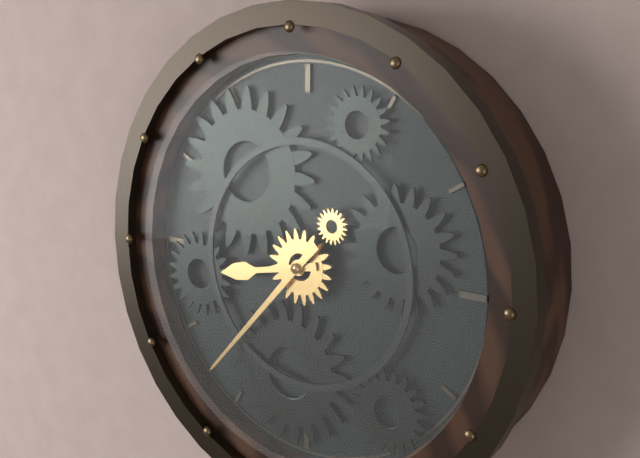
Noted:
8:37
